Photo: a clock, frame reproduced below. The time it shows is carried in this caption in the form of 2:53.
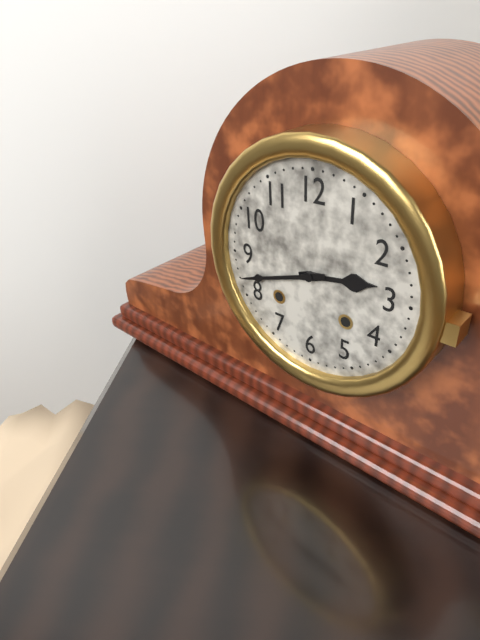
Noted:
2:42
